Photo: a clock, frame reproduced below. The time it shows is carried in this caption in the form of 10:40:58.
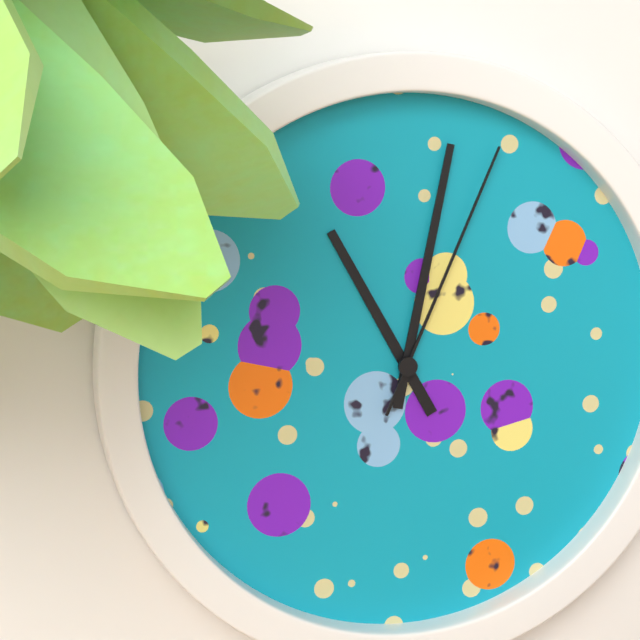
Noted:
11:02:04
